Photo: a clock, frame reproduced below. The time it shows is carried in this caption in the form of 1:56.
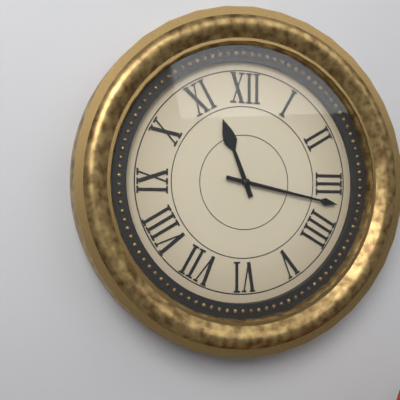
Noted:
11:17
